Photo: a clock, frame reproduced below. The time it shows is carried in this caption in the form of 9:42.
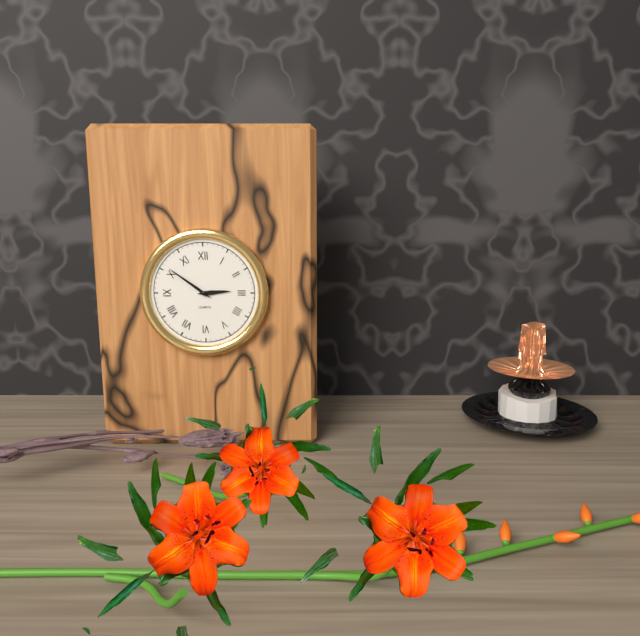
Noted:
2:51
